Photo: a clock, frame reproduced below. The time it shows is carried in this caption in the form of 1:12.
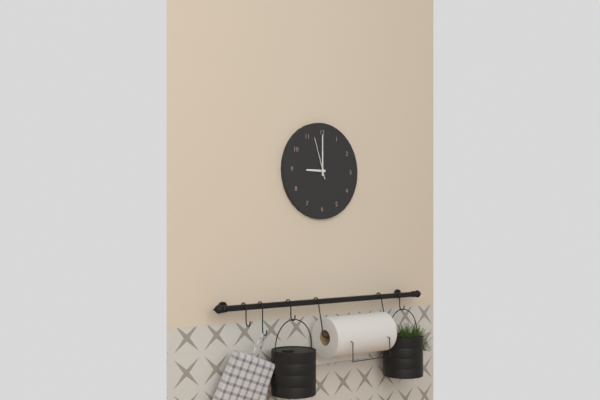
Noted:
9:00
